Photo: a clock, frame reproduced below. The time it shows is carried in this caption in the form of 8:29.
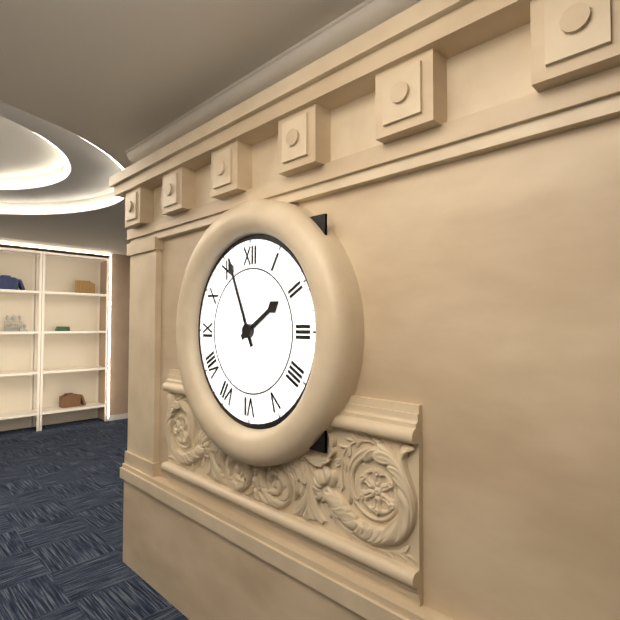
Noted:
1:56
